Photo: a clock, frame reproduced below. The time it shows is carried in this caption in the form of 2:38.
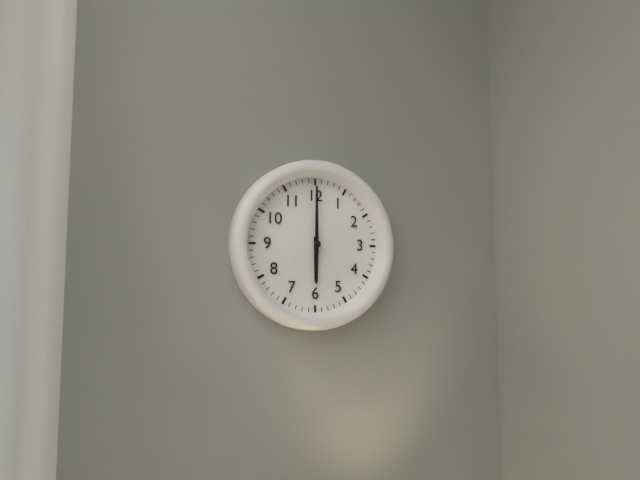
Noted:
6:00
